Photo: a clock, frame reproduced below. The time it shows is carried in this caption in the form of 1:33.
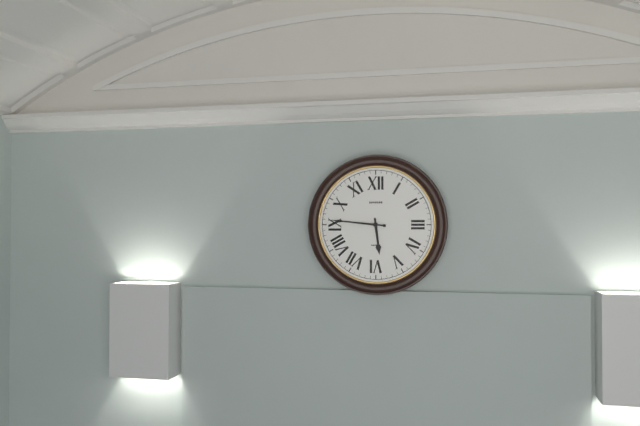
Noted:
5:46
